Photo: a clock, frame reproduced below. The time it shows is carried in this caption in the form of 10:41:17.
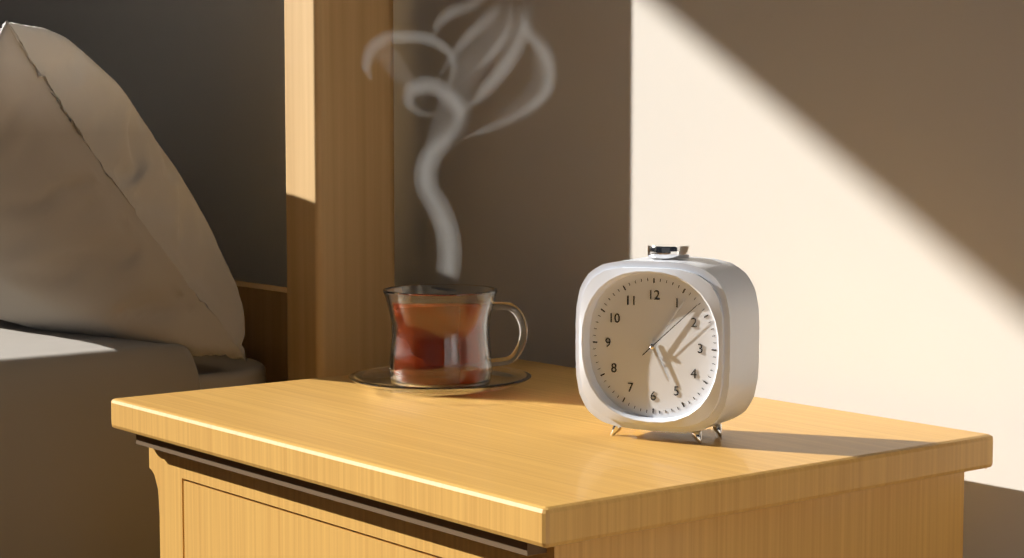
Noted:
5:06:08
